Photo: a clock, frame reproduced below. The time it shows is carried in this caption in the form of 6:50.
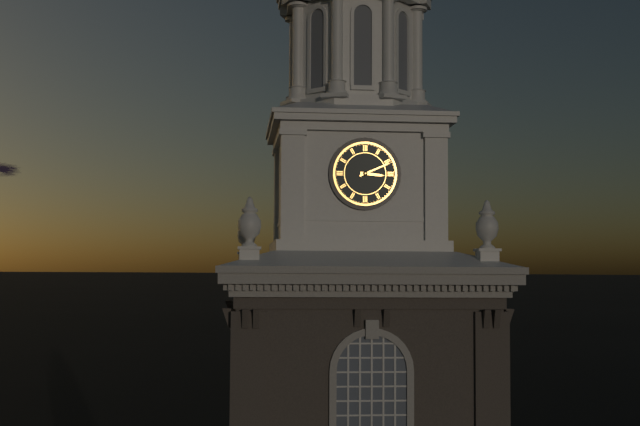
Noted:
3:11
